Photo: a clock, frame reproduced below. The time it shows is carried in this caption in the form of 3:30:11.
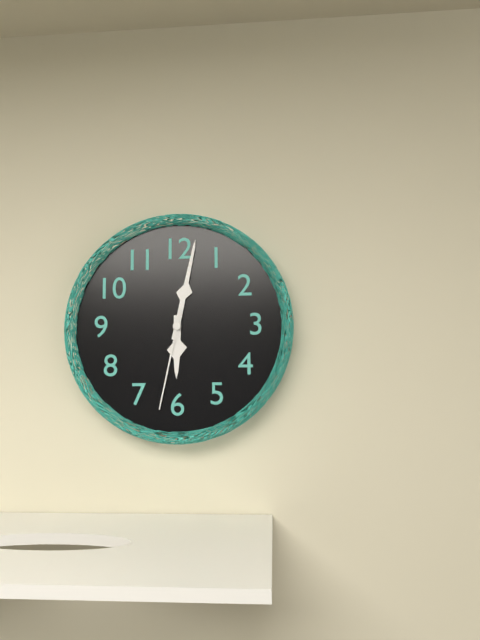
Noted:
6:02:32
